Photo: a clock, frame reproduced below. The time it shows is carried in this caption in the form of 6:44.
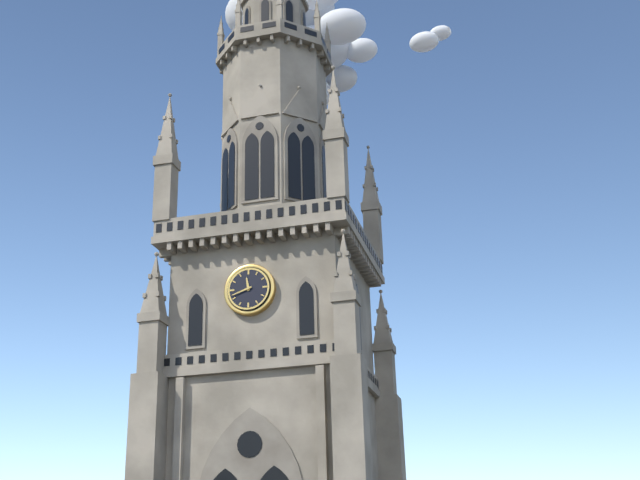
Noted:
11:42
